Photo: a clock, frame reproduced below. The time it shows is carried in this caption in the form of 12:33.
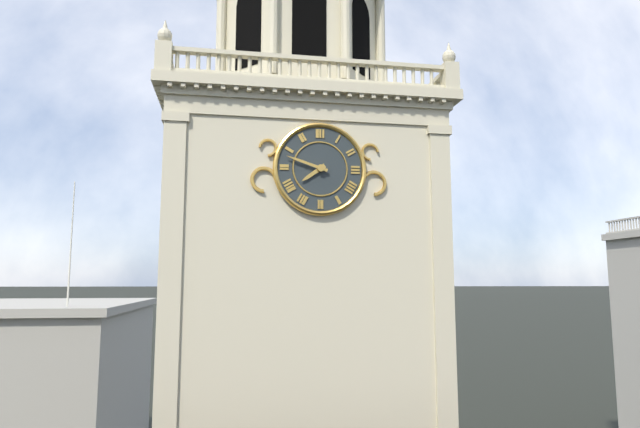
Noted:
7:48
